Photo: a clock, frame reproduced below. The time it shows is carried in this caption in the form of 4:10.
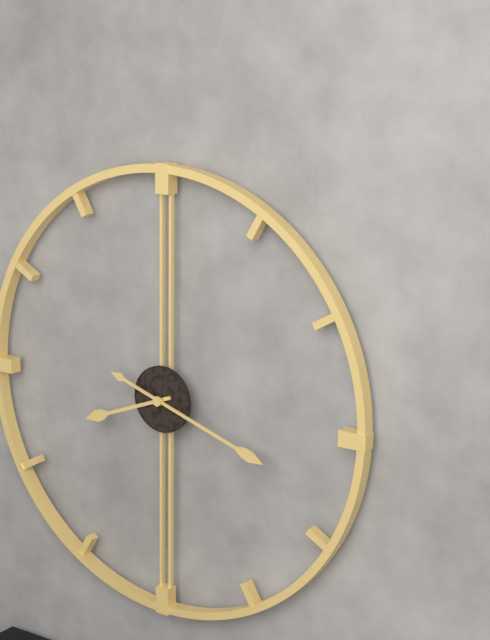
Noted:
8:18
